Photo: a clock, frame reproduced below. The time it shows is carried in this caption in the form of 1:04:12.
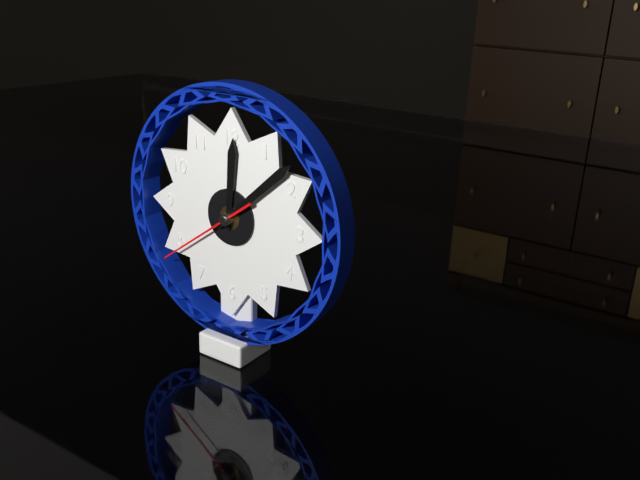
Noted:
12:08:39
